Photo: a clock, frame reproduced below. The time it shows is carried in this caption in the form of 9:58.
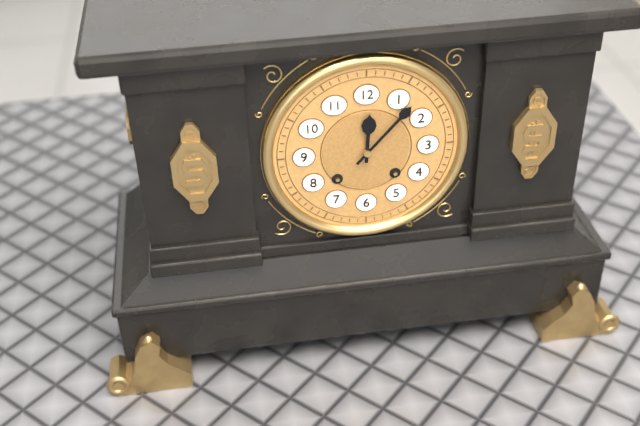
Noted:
12:07
